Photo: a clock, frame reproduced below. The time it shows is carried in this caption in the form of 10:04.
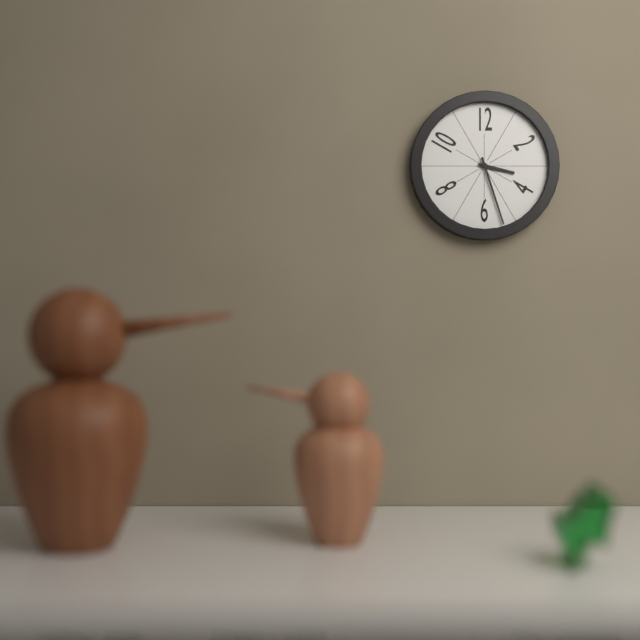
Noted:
3:27
